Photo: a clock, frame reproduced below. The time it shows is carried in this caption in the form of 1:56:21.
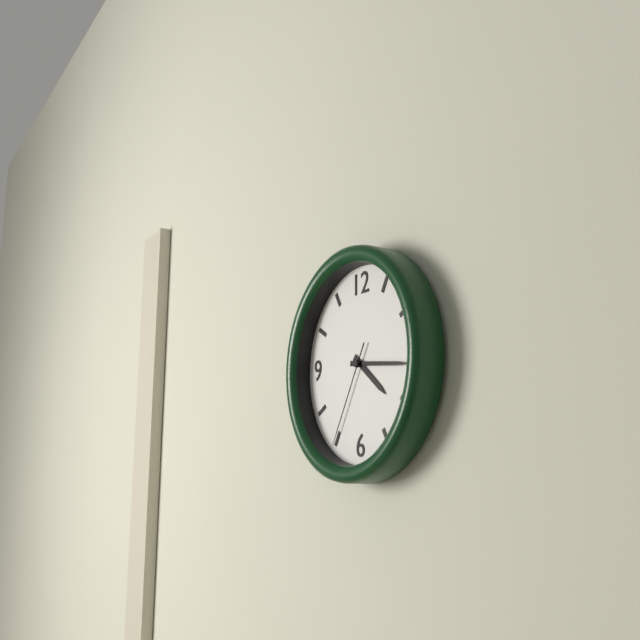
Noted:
4:16:35
